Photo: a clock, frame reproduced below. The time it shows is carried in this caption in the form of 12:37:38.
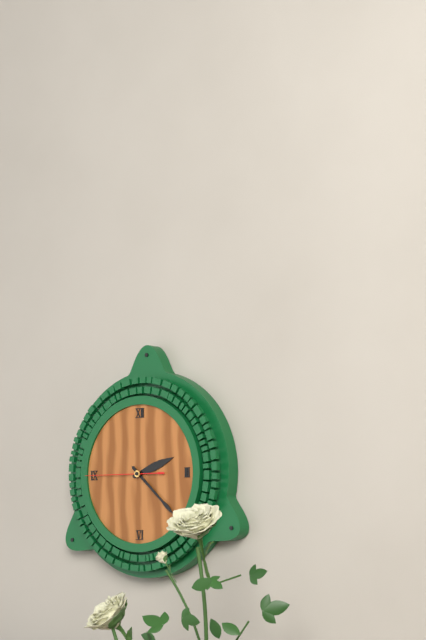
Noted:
2:22:45
